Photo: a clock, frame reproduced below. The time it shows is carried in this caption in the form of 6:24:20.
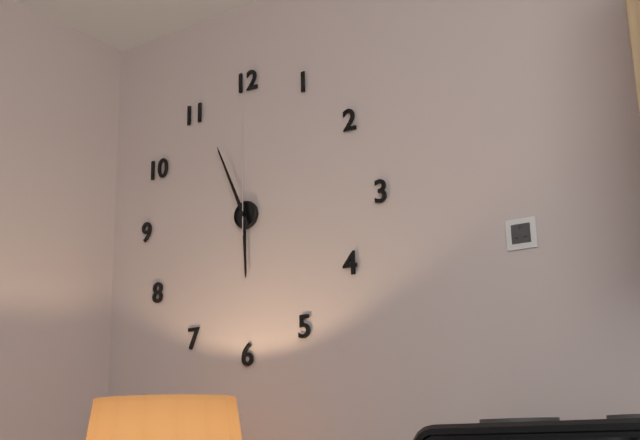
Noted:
5:56:00
